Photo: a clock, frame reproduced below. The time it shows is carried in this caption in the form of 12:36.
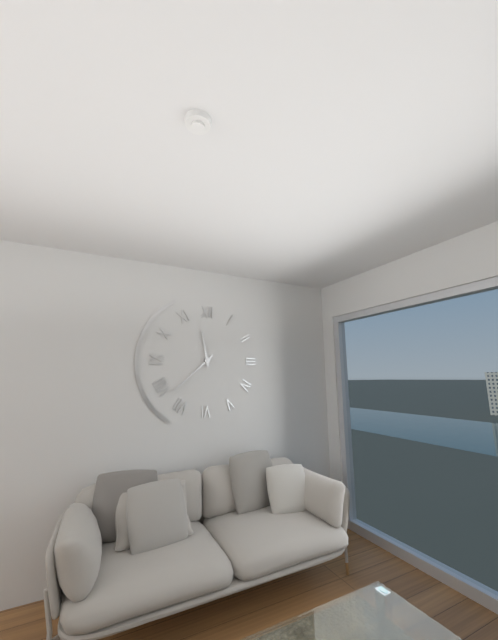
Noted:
11:38
